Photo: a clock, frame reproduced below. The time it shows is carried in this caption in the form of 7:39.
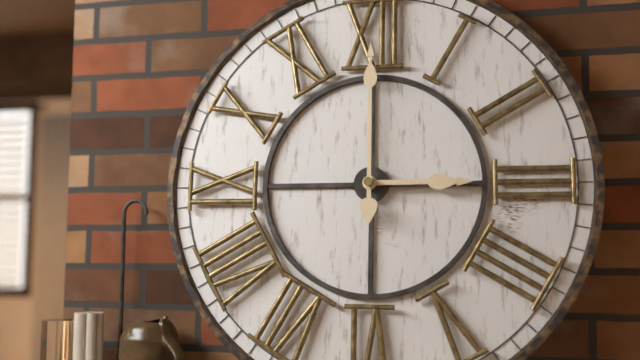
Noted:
3:00
